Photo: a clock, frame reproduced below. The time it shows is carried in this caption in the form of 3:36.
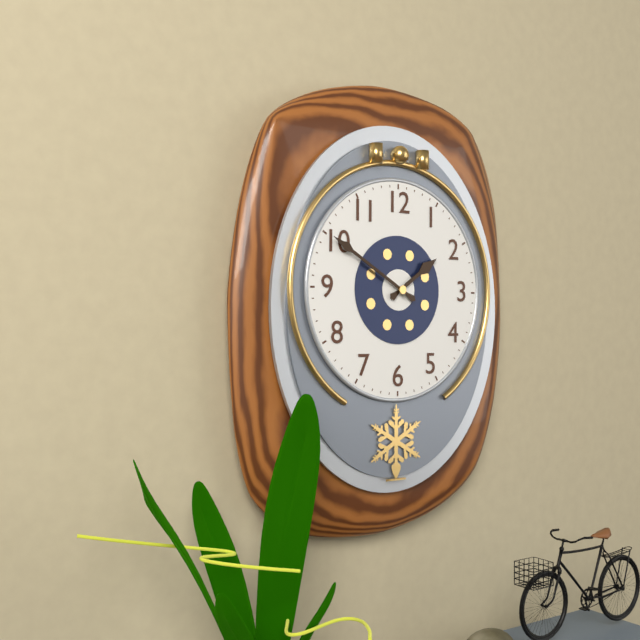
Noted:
1:50
